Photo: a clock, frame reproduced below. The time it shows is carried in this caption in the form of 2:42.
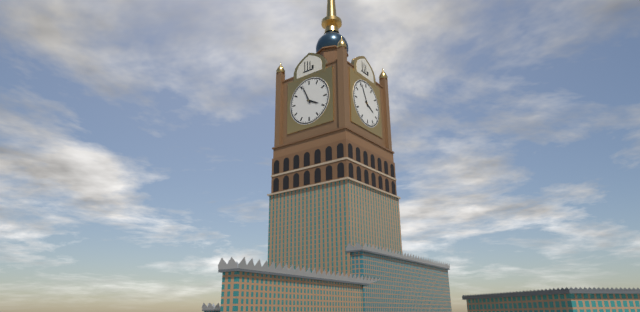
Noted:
3:56
